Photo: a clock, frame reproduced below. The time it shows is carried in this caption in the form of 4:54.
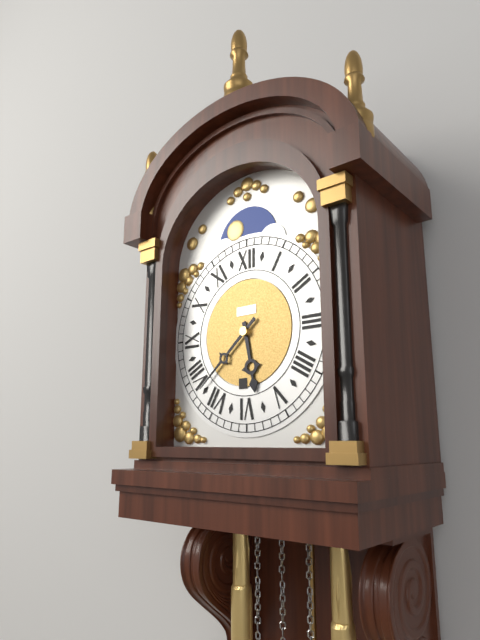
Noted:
5:38
